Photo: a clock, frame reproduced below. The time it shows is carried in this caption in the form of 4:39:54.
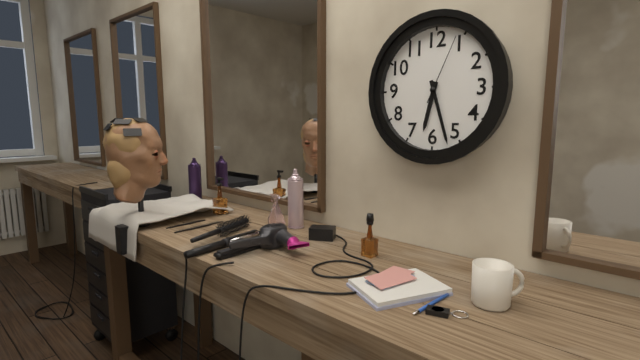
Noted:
6:27:04
